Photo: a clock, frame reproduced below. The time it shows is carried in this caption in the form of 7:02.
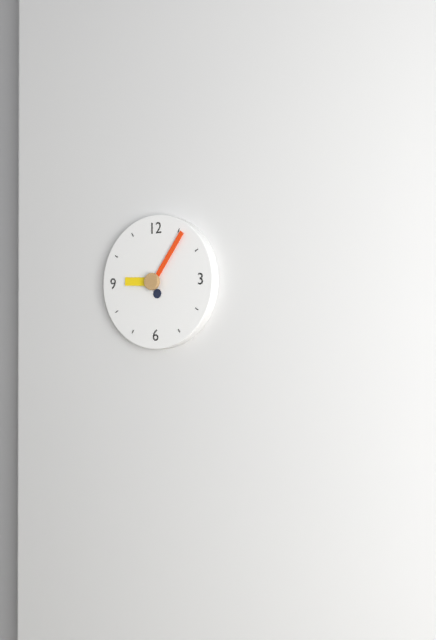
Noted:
9:06
